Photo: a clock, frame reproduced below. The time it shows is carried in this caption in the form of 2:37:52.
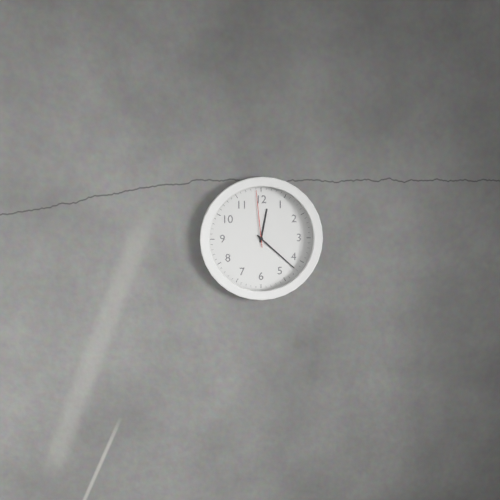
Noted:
12:22:59
